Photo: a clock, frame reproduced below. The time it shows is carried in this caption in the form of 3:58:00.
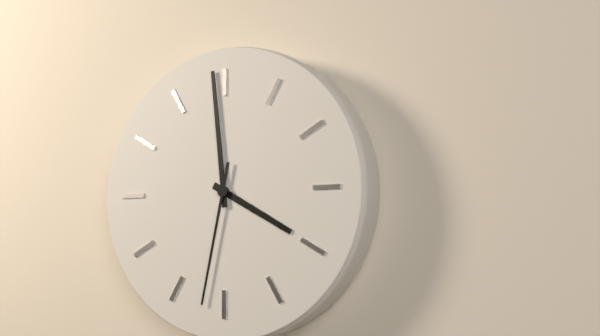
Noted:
3:59:32
